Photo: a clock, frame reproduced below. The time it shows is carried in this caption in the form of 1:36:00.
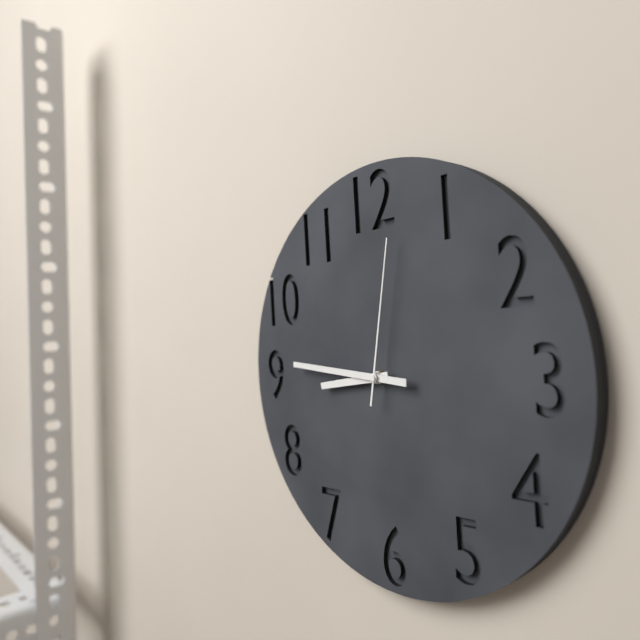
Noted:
8:46:02
